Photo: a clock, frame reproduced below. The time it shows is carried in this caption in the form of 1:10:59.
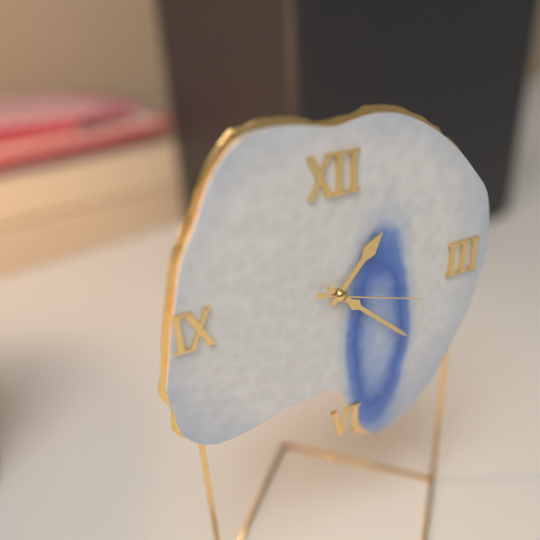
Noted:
1:22:18
